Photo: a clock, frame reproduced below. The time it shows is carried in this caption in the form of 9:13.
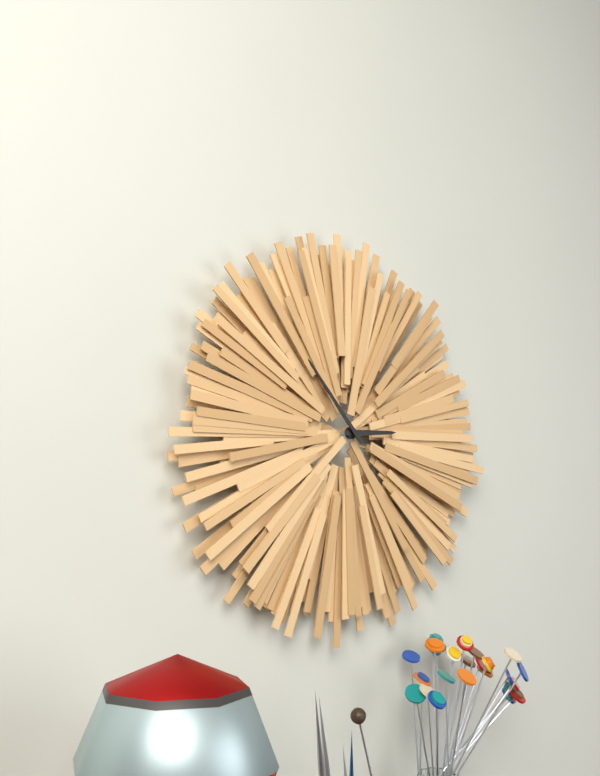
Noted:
2:53
